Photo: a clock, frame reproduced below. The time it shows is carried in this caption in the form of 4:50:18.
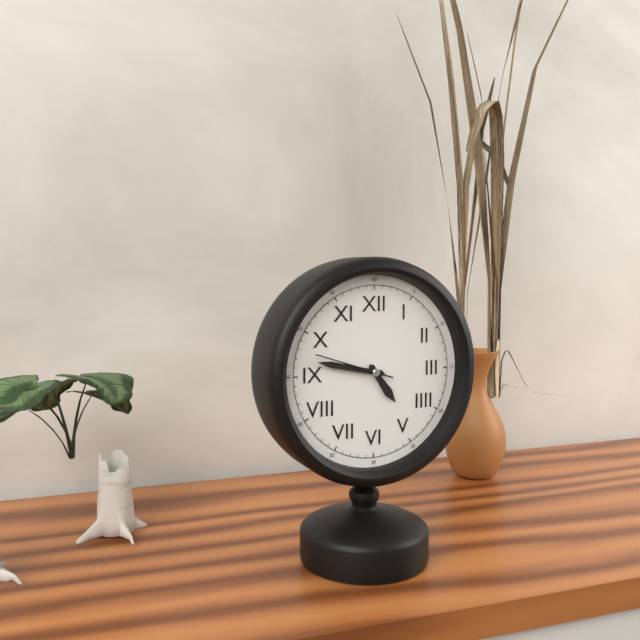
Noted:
4:47:48
